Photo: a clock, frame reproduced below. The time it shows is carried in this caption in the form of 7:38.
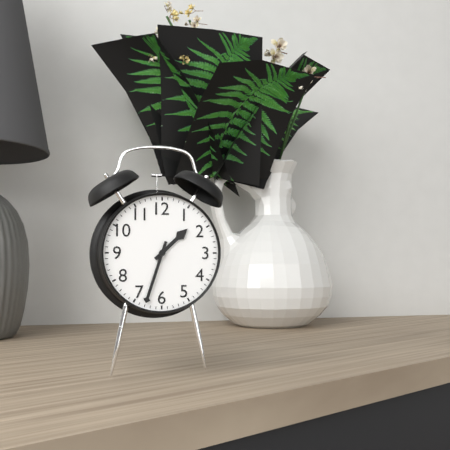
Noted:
1:33
